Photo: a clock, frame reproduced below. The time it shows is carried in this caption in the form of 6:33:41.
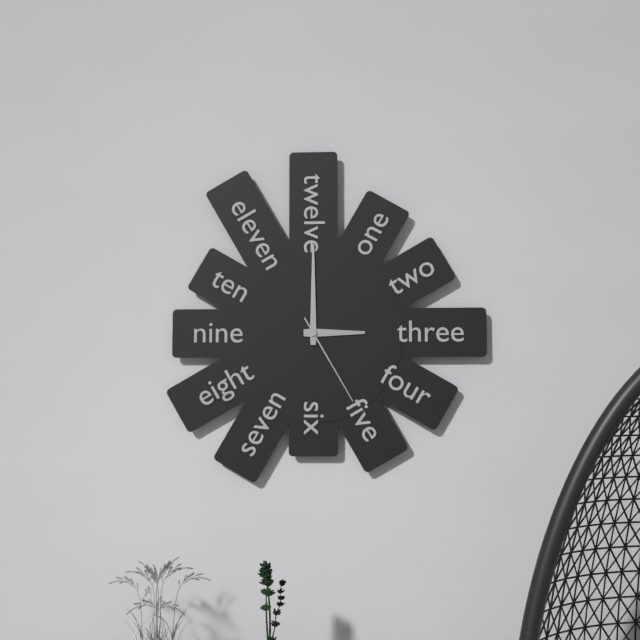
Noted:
3:00:25
